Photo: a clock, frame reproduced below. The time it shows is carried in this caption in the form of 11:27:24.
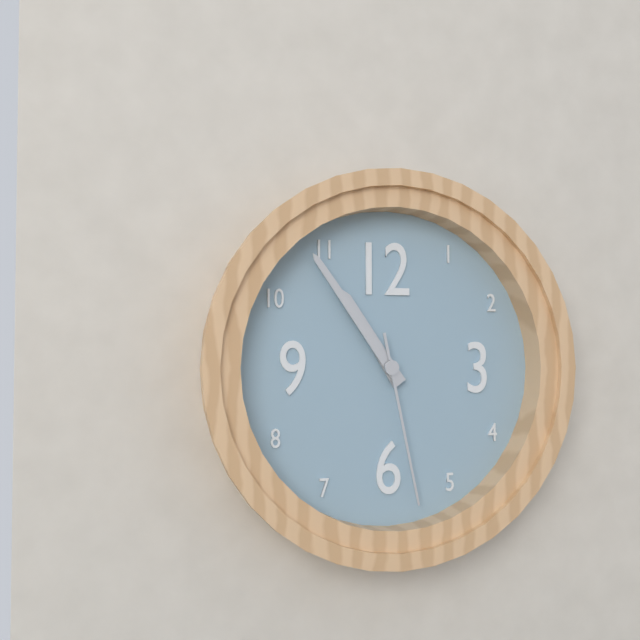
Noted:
10:54:28
